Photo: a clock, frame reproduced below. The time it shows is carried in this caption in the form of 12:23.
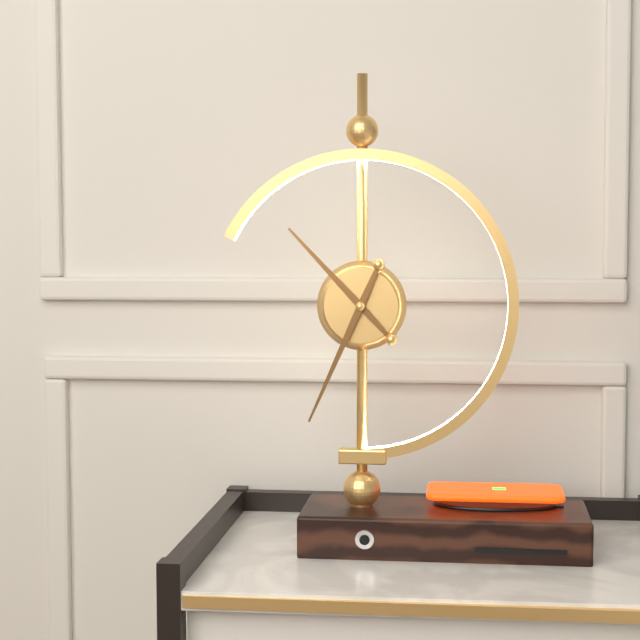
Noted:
10:34
